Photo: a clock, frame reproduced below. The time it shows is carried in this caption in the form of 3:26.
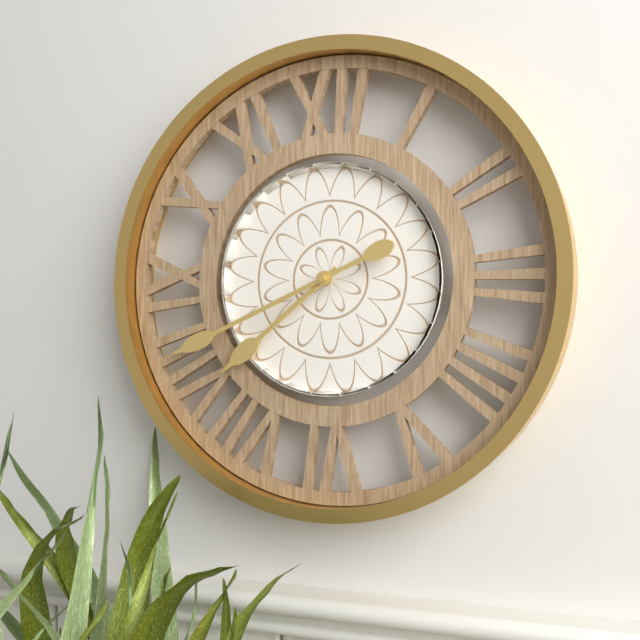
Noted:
7:41
